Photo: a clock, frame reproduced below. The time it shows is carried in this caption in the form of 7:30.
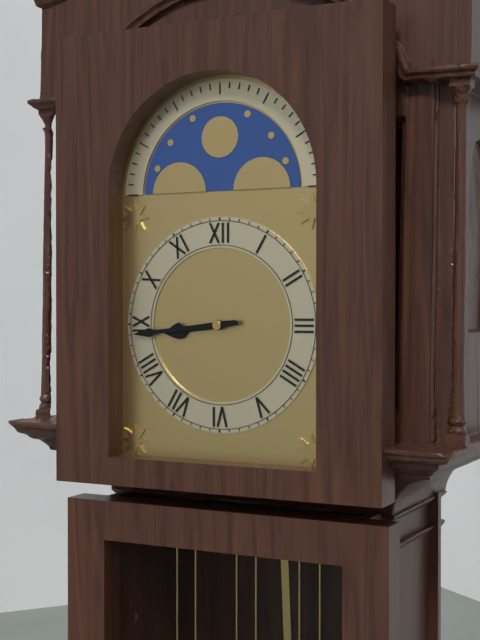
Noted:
8:44
